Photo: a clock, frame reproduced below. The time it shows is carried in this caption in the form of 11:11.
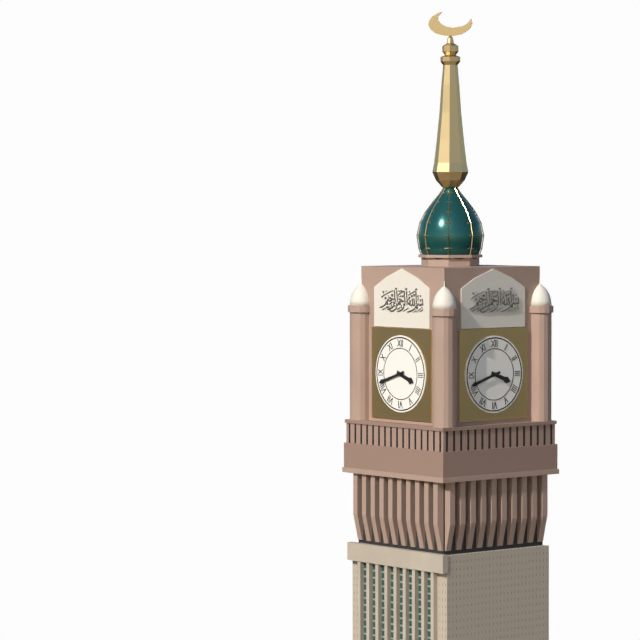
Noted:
3:42
